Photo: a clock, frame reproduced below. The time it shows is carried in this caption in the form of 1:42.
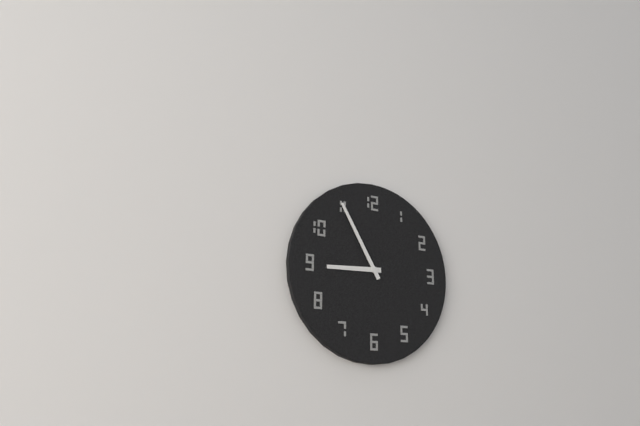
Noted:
8:55
